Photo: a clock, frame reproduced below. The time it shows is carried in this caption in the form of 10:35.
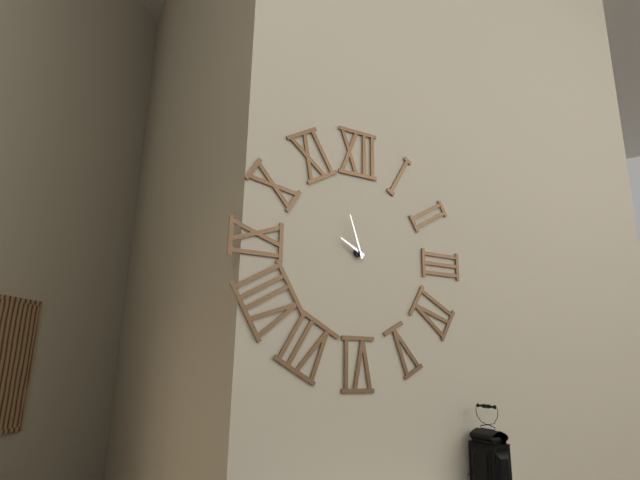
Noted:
9:57
